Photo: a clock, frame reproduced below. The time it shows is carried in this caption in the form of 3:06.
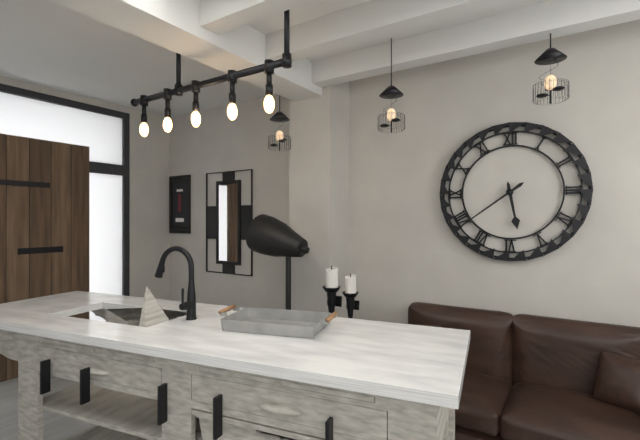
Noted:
5:39
